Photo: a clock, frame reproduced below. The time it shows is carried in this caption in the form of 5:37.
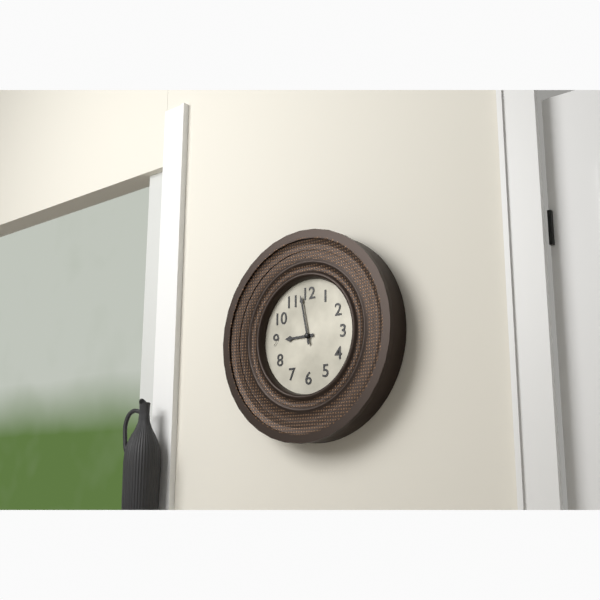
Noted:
8:58
